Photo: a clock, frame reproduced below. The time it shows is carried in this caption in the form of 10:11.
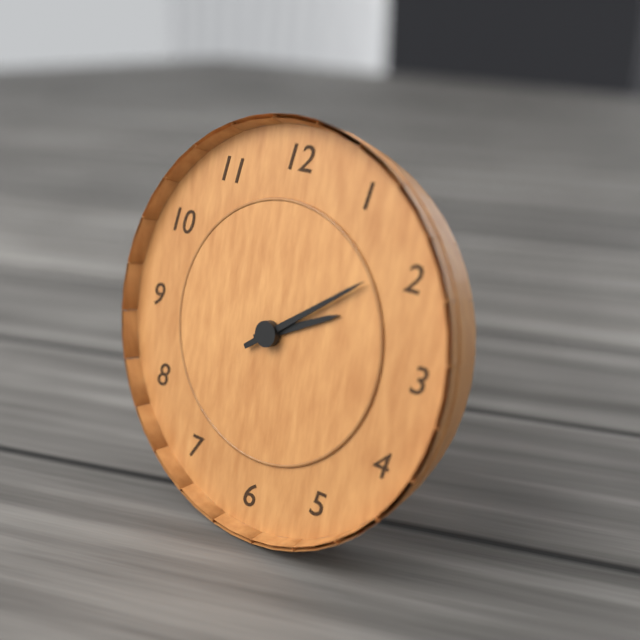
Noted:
2:09
